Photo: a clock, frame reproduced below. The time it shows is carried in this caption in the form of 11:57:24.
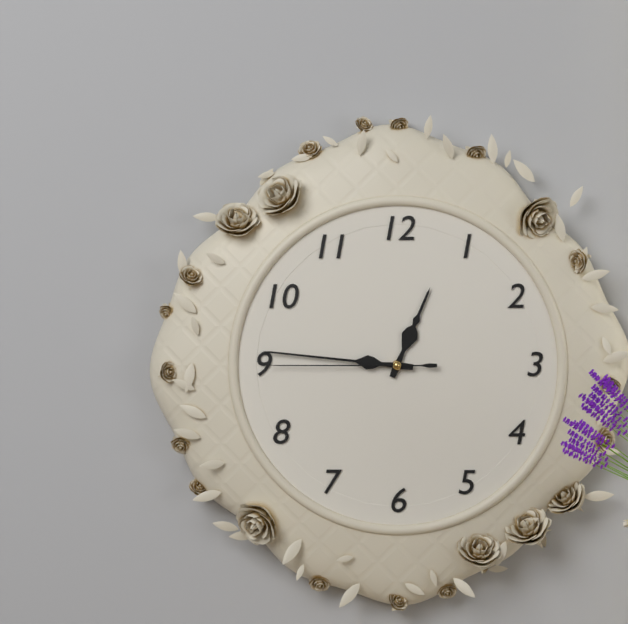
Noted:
12:46:45
